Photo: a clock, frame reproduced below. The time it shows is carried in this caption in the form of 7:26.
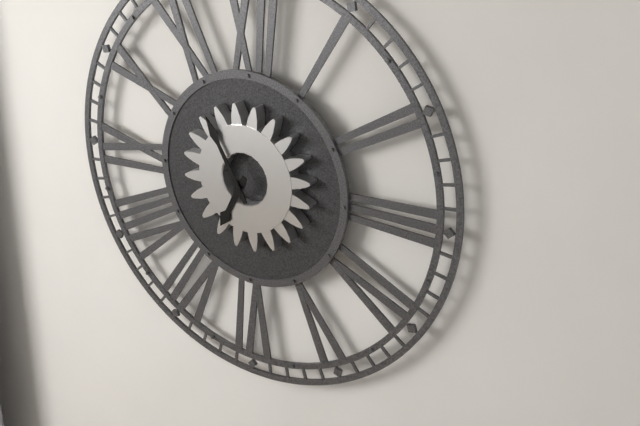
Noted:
6:55
